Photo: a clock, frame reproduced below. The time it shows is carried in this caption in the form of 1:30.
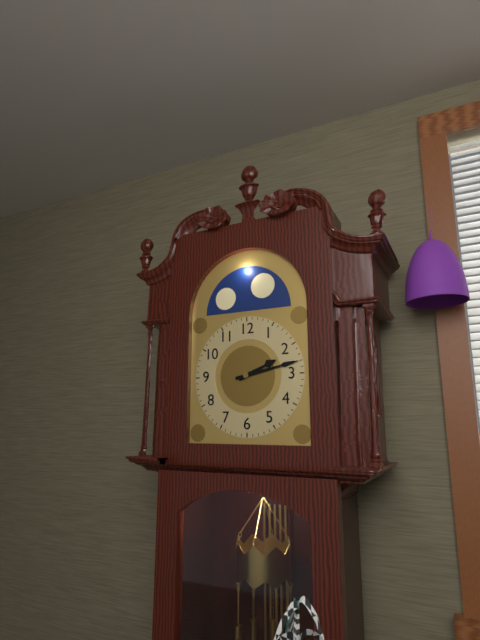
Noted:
2:13
